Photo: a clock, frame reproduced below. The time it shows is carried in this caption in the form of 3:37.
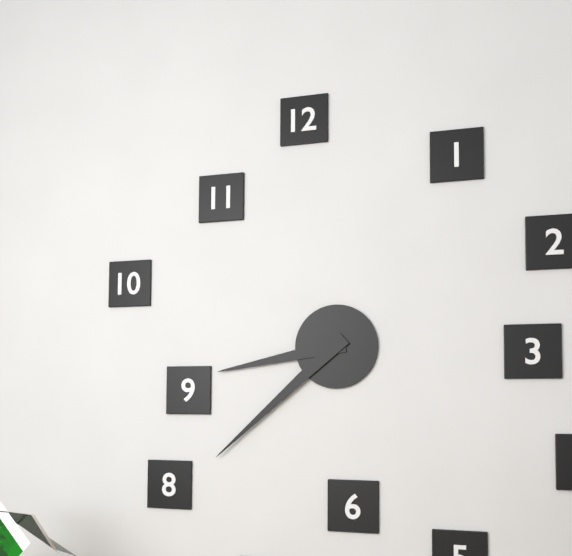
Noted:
8:38
